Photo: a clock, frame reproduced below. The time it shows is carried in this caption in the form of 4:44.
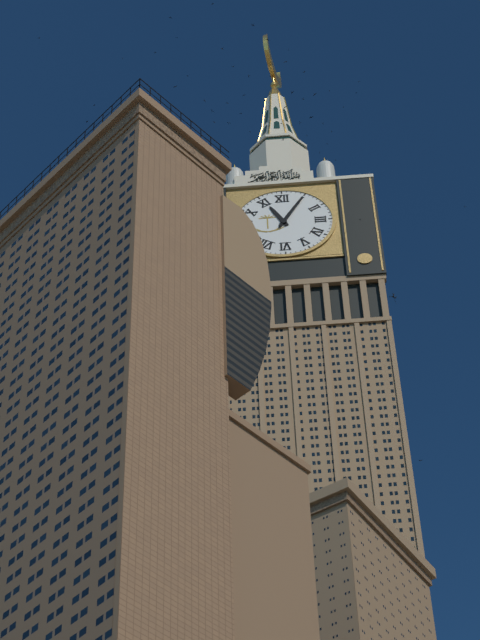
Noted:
11:05
